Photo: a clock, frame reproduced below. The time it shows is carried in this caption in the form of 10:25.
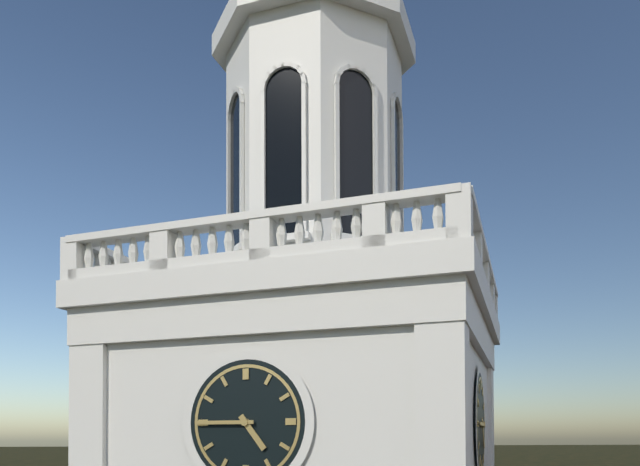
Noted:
4:45
